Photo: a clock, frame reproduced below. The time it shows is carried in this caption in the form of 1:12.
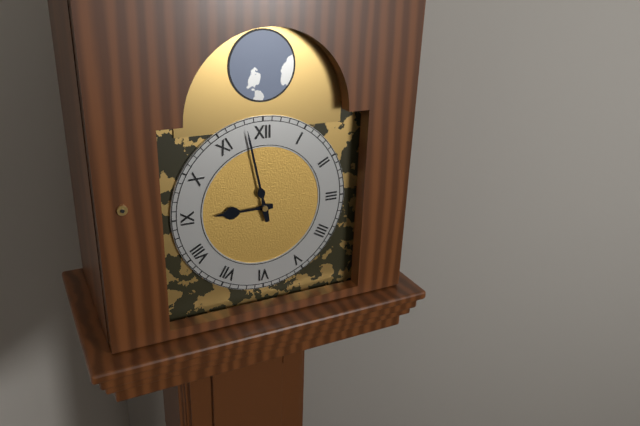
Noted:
8:58
